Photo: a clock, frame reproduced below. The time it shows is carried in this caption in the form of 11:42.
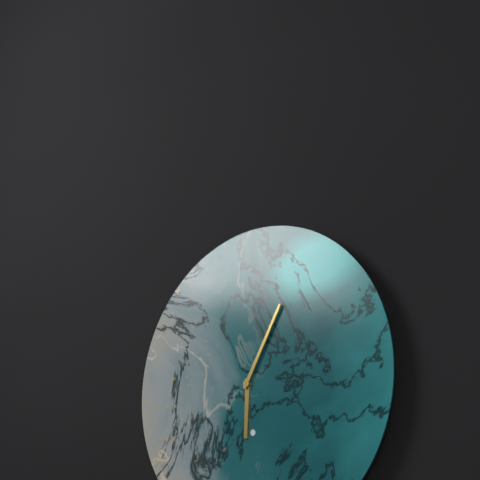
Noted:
6:05
